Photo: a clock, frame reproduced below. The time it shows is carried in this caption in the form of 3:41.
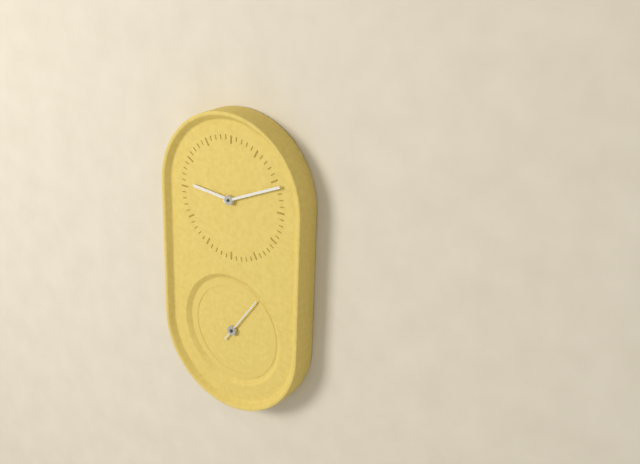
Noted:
9:11
